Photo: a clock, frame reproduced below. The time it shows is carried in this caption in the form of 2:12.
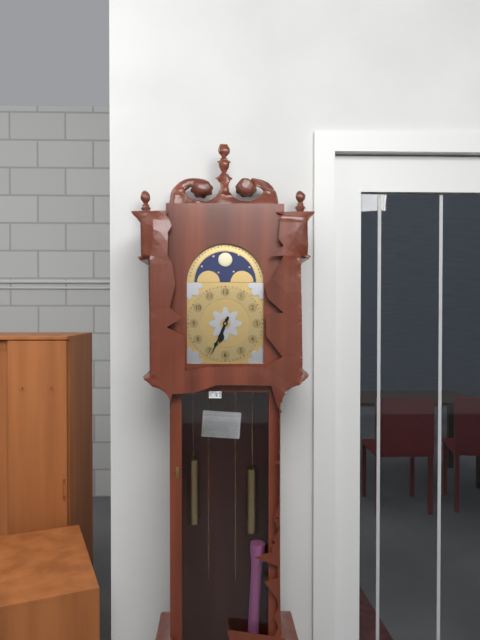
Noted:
6:34
